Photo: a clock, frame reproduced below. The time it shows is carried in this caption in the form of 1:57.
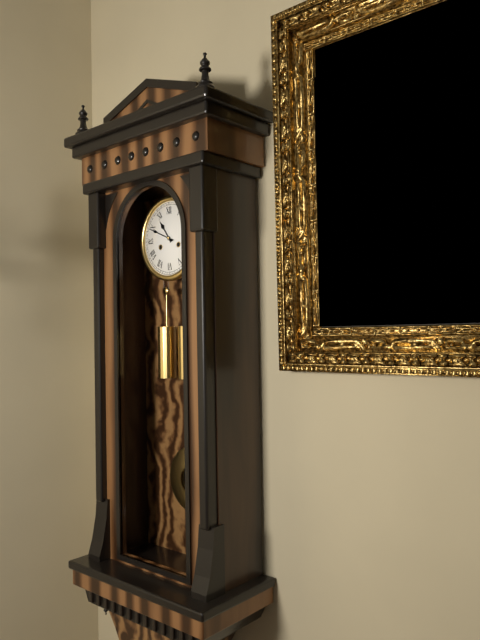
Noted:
10:49
